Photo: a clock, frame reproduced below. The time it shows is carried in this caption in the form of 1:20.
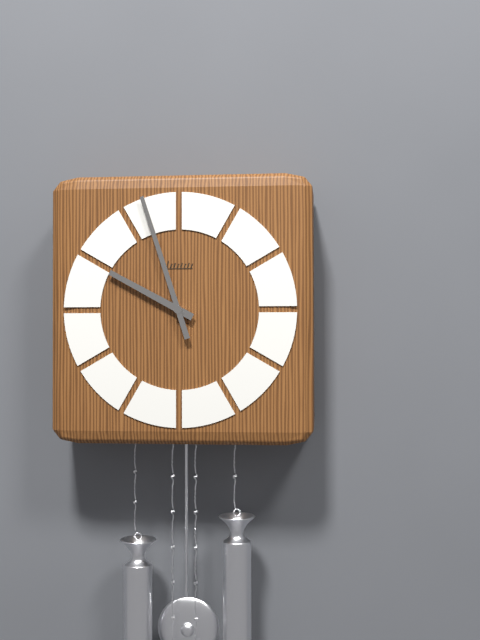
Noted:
9:57
